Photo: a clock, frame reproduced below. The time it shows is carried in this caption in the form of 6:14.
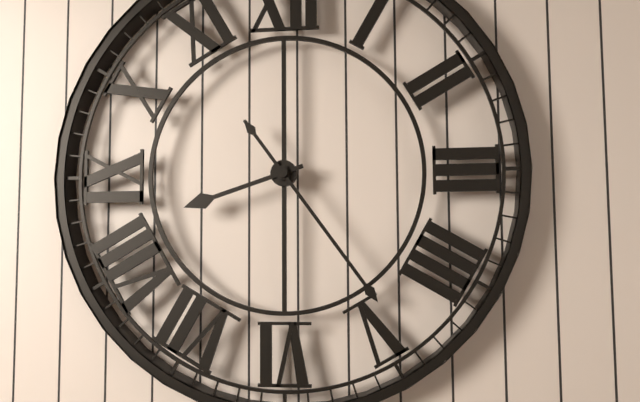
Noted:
8:24
